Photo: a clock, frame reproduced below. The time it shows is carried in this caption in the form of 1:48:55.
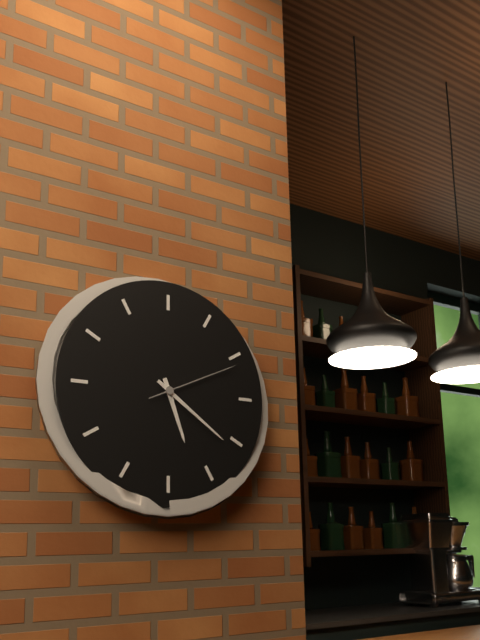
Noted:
5:21:11
